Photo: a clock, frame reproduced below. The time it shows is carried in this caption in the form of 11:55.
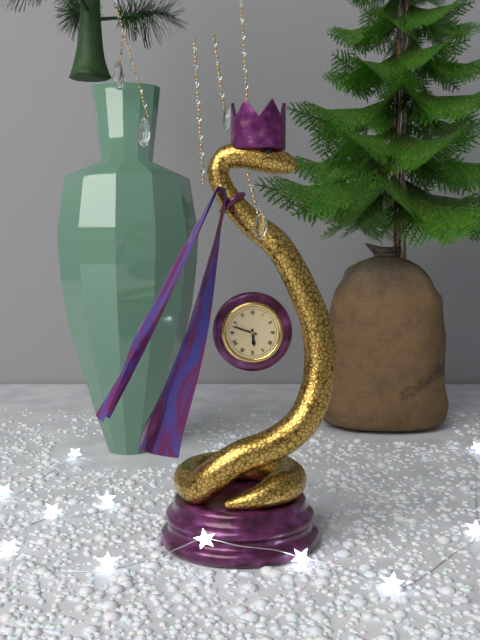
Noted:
5:48
